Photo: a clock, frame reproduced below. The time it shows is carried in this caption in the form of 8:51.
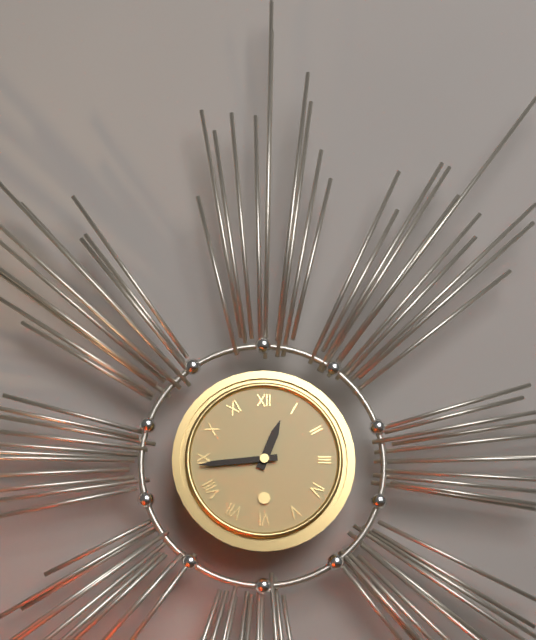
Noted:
12:44
